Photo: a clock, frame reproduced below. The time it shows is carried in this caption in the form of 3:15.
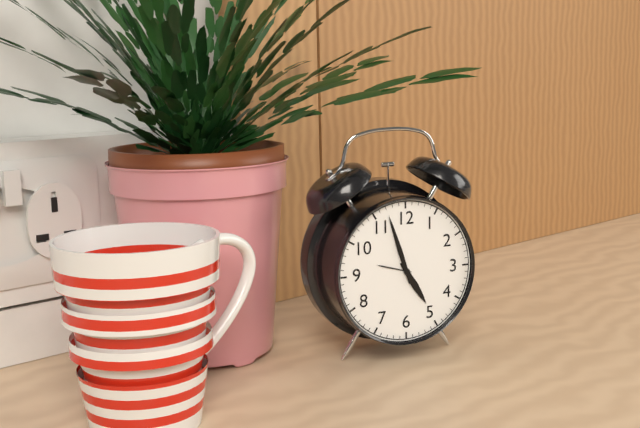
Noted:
4:57
